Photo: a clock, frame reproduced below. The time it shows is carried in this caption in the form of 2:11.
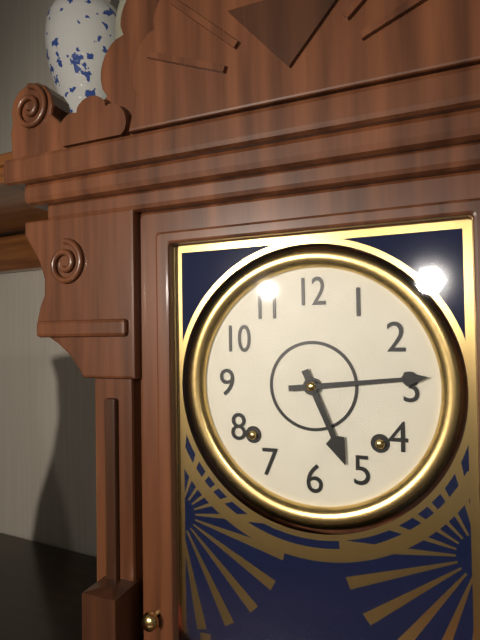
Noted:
5:14
